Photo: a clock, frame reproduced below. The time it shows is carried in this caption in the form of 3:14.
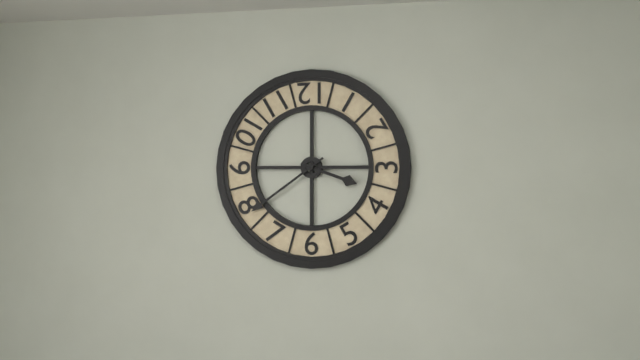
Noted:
3:39
